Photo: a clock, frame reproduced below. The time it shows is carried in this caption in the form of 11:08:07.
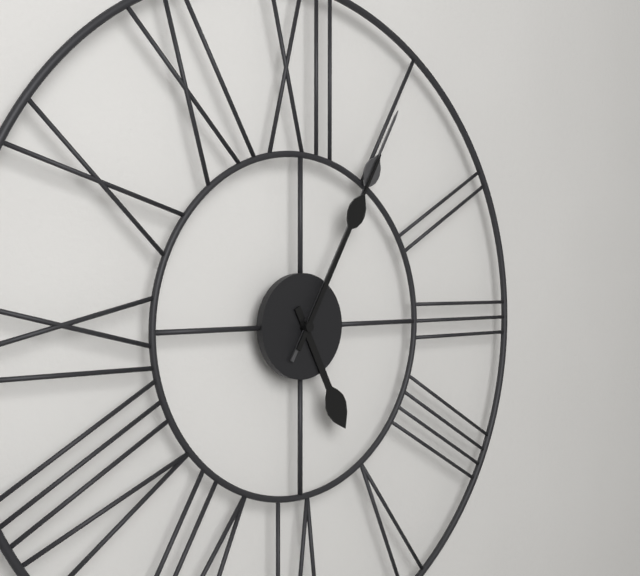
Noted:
5:05:05
